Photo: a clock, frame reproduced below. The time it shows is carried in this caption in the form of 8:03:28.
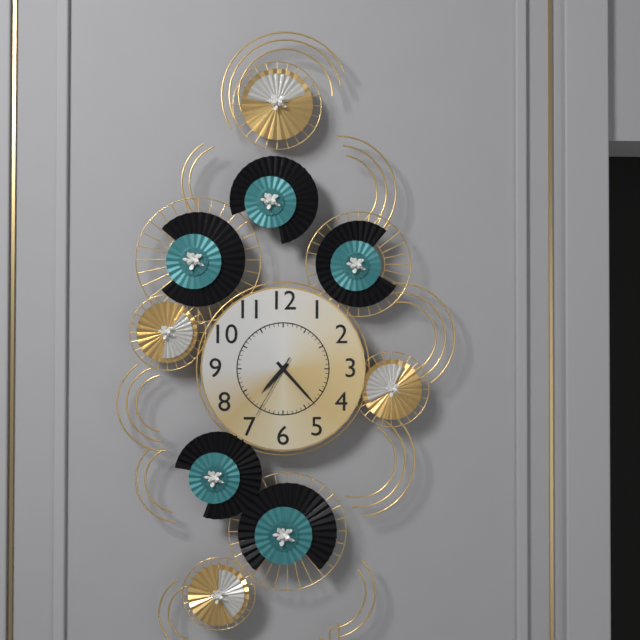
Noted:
7:23:35
